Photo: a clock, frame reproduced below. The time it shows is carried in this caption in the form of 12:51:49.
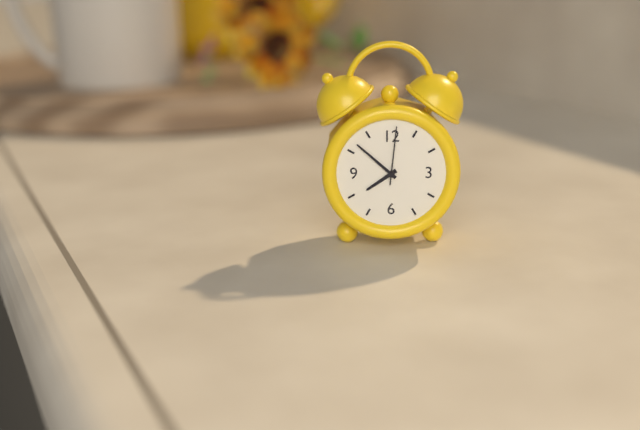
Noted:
7:52:01
